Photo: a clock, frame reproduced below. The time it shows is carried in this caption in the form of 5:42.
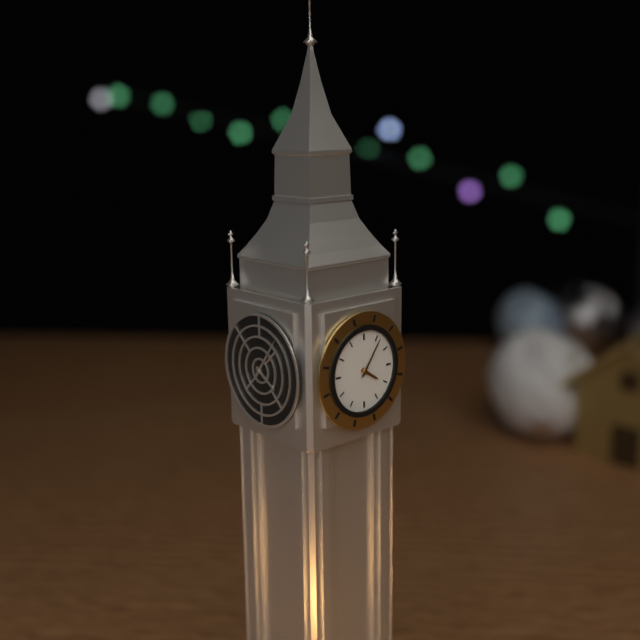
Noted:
4:06
